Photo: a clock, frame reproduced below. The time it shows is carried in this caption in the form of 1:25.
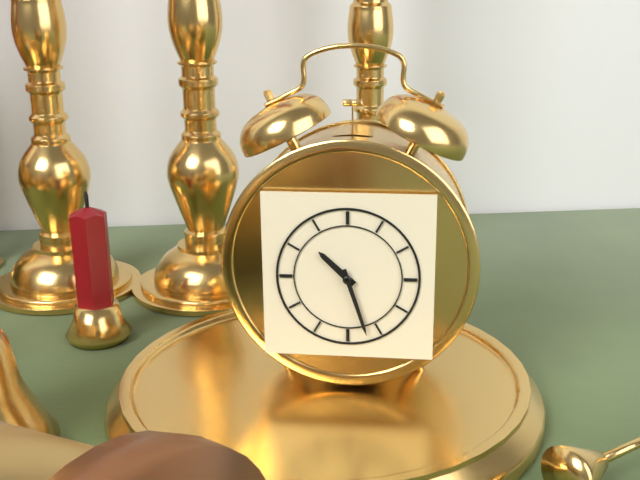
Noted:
10:27
